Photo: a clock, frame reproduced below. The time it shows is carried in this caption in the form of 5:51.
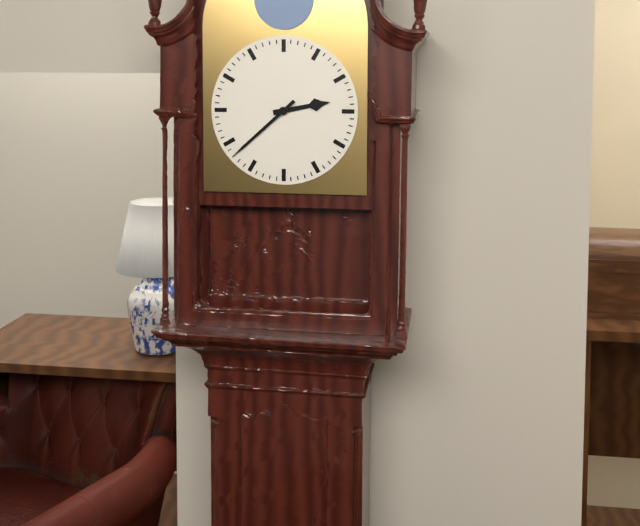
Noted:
2:38
